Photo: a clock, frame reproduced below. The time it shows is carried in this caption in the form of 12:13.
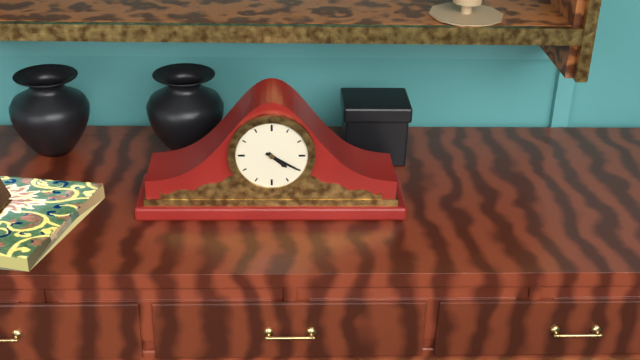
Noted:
4:20
